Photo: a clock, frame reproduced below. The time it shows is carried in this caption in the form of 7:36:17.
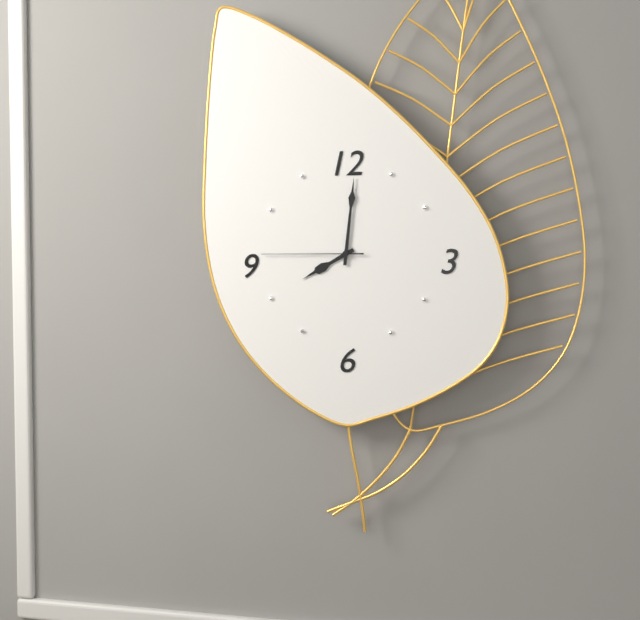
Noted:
8:01:45
